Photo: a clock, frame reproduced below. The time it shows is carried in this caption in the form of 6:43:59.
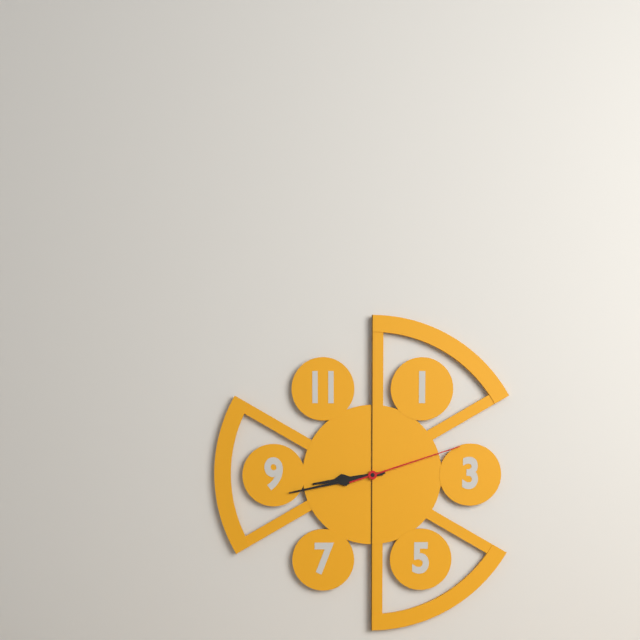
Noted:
8:43:12
